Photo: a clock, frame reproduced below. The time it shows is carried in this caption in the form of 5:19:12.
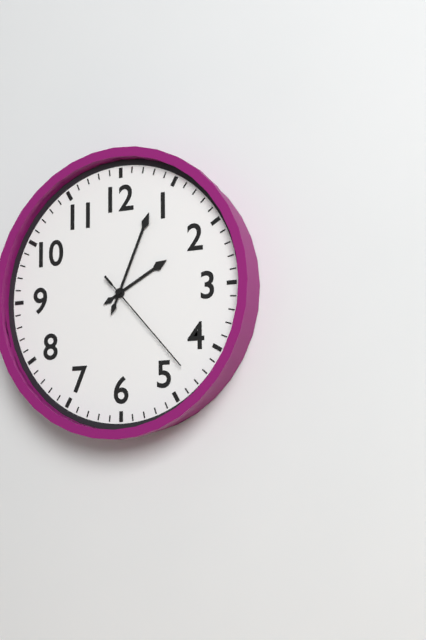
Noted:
2:04:23
